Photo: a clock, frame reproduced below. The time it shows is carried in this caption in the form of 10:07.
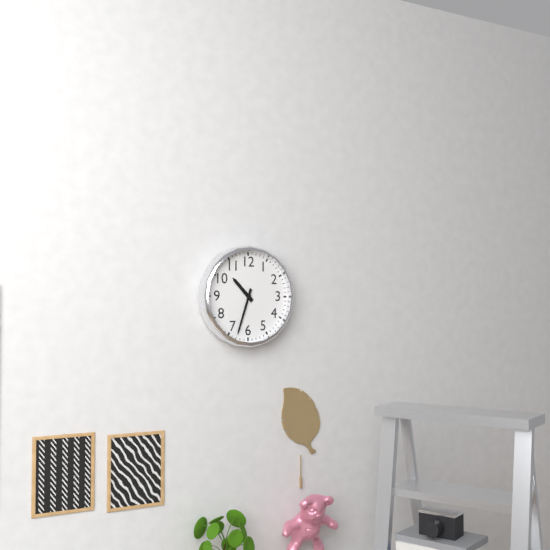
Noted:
10:33
